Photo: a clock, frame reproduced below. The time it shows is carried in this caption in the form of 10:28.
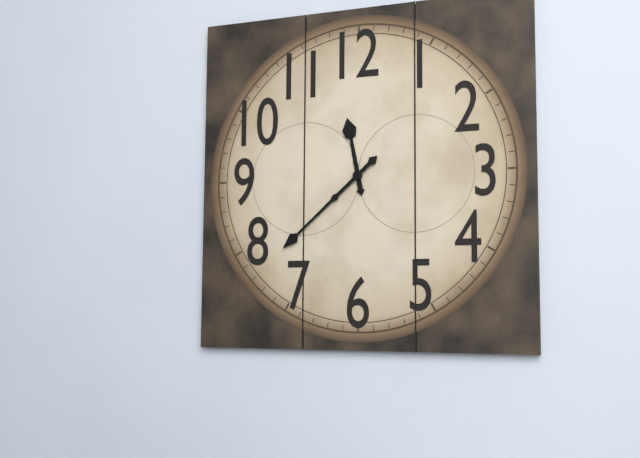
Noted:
11:38
